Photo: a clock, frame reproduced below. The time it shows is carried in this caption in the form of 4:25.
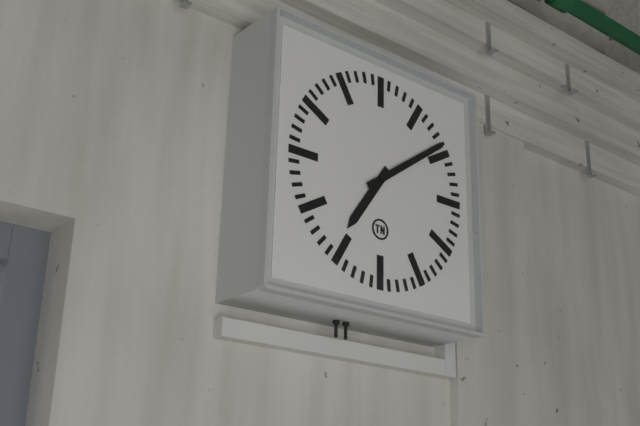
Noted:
7:09
